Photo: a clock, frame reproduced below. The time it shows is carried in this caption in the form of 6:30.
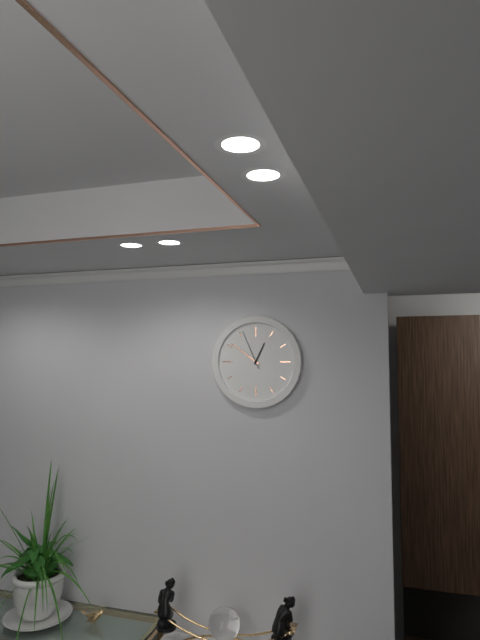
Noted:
12:51
